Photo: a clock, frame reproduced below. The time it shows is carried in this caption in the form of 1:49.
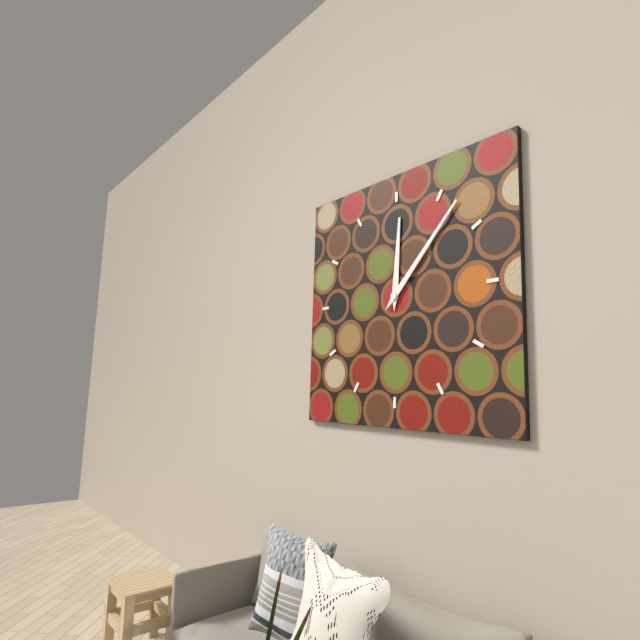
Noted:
12:07
